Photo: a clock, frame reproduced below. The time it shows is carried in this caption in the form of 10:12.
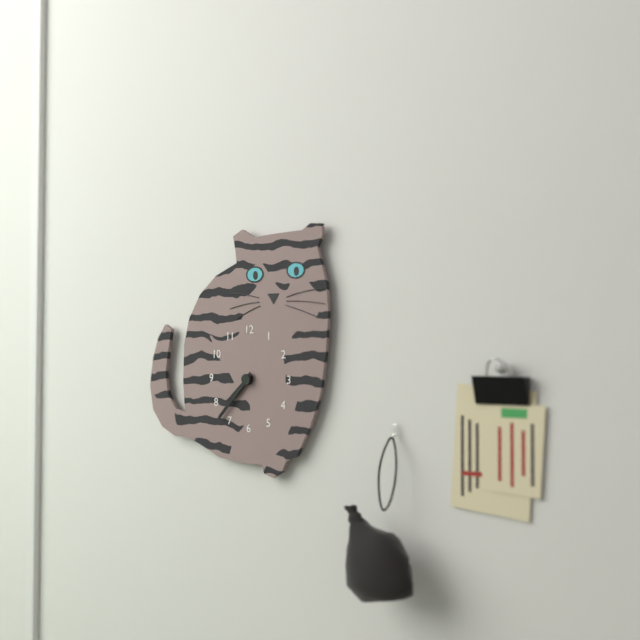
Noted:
7:37
